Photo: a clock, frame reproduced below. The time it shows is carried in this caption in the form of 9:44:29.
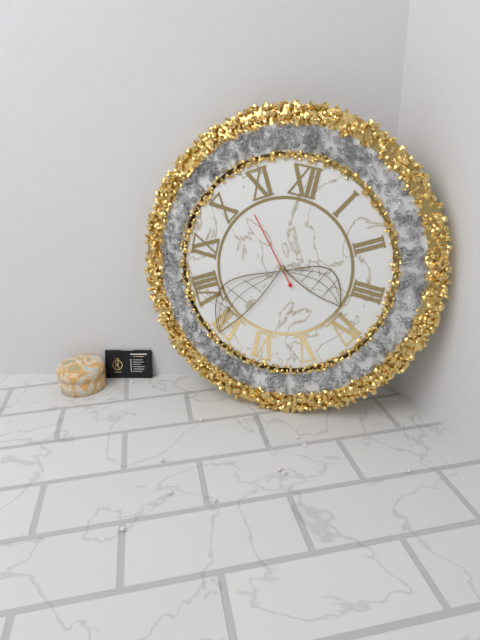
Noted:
3:35:53
